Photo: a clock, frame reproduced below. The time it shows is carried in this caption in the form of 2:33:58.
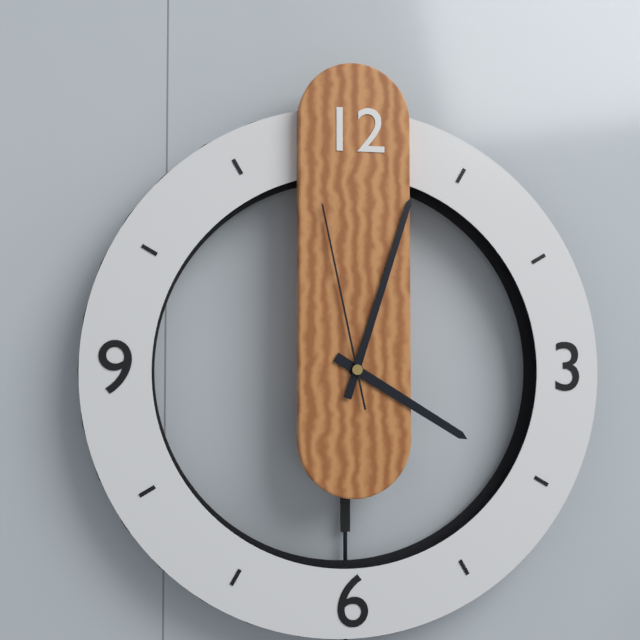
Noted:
4:03:58
